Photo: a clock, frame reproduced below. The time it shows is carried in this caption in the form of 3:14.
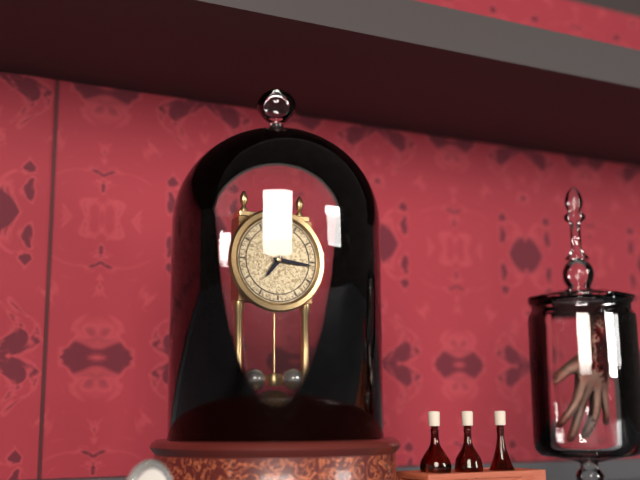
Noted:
7:16
